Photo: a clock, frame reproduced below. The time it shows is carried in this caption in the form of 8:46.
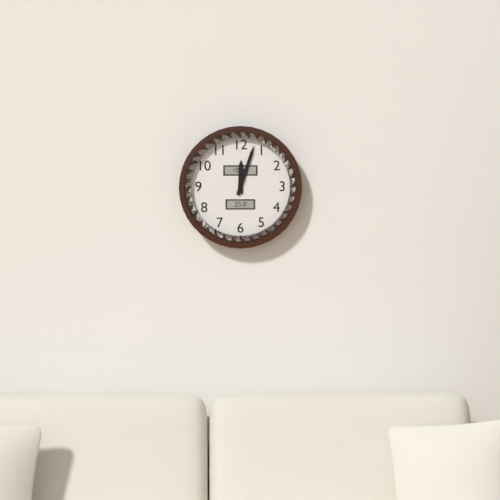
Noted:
12:03
